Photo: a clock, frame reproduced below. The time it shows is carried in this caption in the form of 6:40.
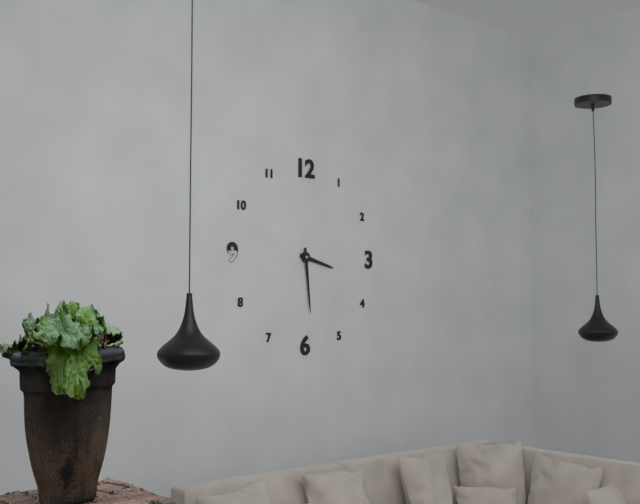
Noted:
3:29
